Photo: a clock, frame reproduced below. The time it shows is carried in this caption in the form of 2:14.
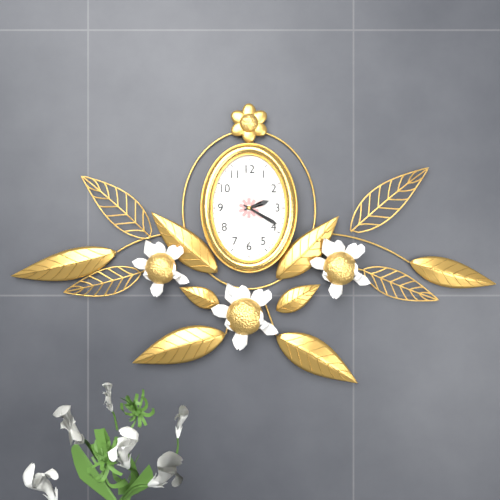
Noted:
2:20
